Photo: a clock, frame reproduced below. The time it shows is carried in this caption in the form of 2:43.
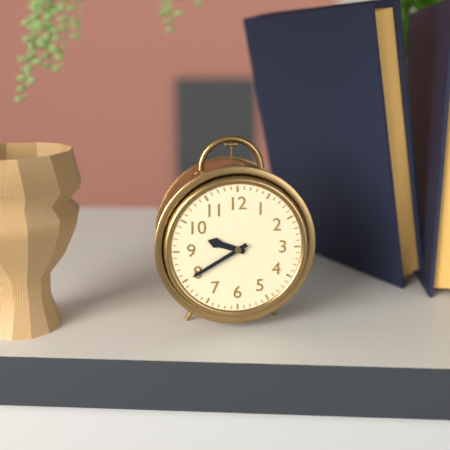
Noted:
9:40
